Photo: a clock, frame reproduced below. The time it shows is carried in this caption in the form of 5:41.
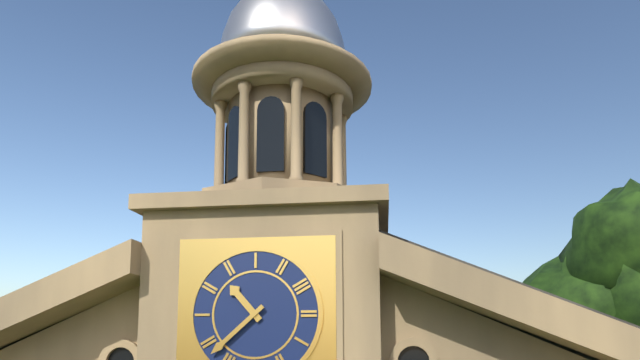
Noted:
10:38
